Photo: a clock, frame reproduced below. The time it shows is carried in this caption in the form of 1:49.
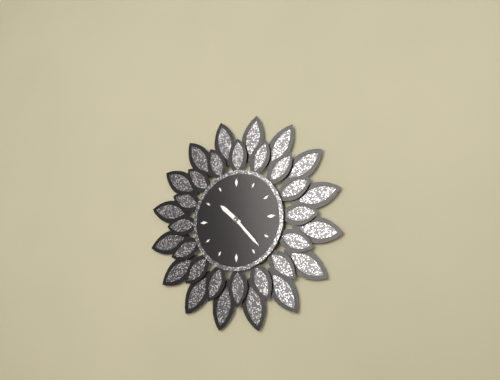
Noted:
10:23
